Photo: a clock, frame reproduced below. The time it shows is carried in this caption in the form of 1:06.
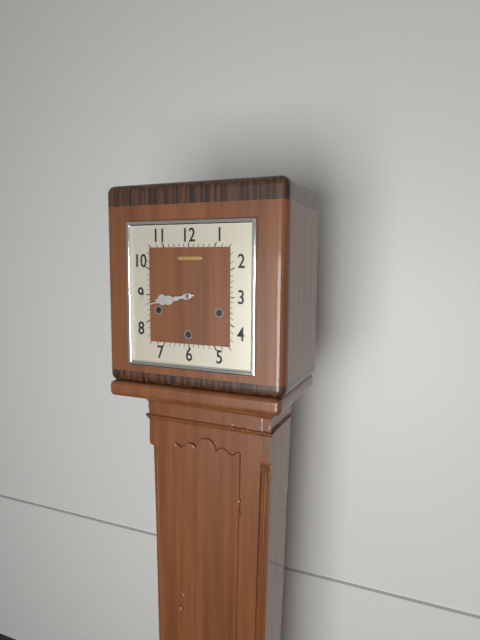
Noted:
8:43
